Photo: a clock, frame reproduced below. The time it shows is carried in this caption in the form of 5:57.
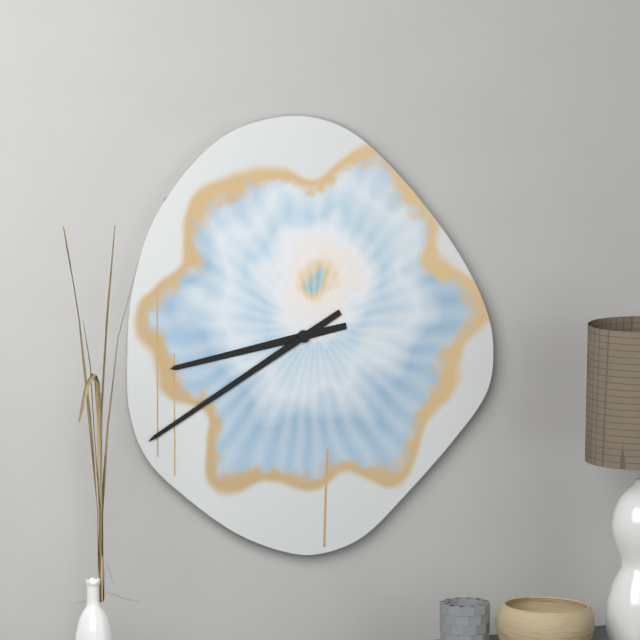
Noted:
8:40
